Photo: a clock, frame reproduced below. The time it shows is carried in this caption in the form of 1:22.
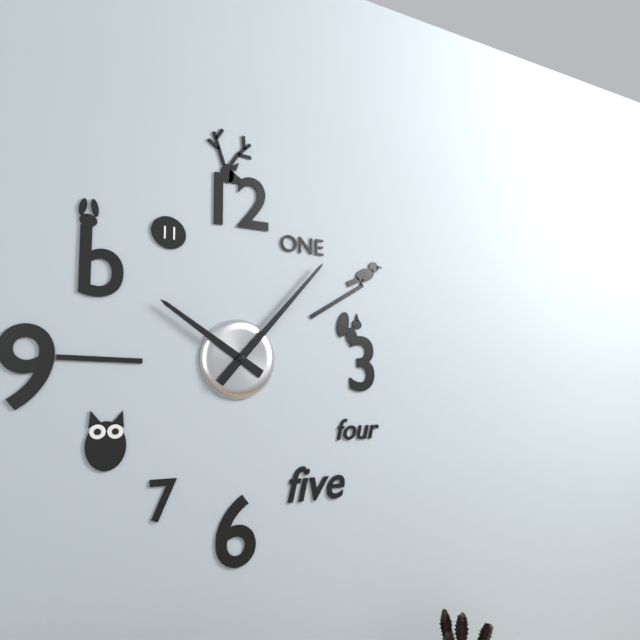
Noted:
10:07
